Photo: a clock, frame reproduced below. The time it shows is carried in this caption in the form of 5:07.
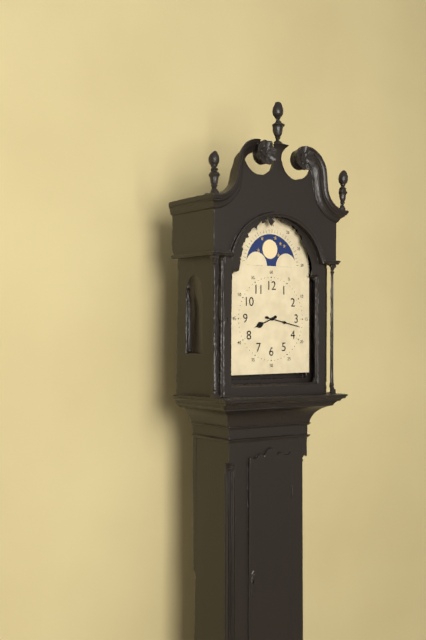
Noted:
8:17
